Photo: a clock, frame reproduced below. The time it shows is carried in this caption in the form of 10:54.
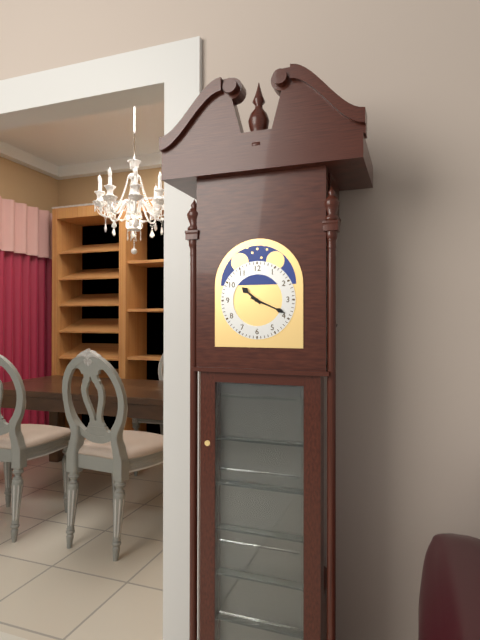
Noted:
10:19
